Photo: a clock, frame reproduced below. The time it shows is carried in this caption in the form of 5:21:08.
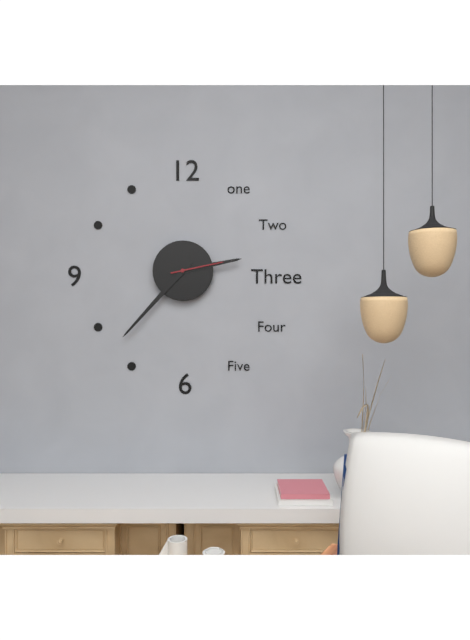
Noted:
2:37:13
